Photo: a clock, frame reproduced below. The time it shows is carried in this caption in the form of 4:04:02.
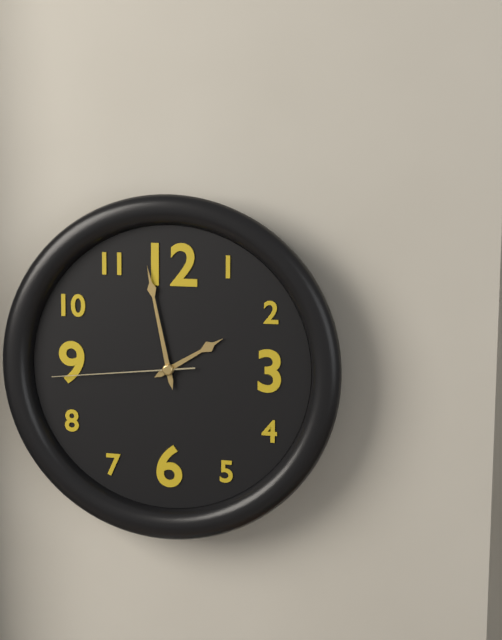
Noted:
1:58:44
